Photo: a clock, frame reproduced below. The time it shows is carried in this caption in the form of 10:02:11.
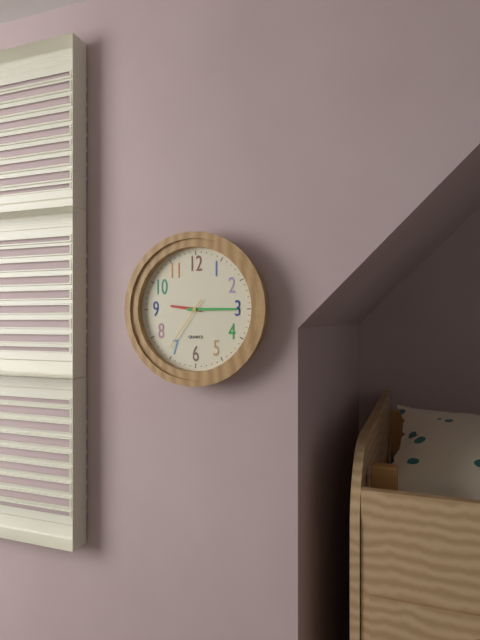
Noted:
9:15:36
